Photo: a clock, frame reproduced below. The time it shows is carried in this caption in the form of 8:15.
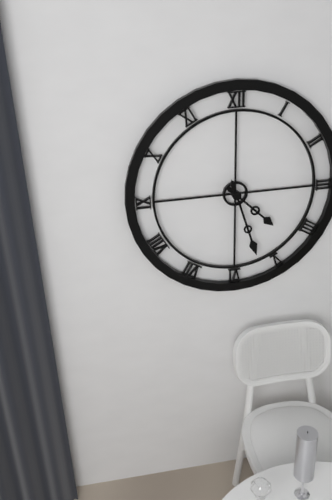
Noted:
4:27
